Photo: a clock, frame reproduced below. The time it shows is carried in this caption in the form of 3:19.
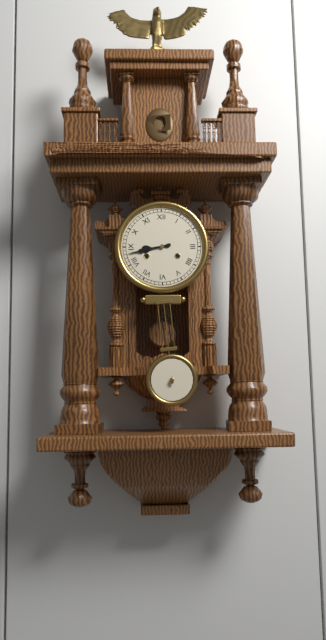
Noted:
8:43
